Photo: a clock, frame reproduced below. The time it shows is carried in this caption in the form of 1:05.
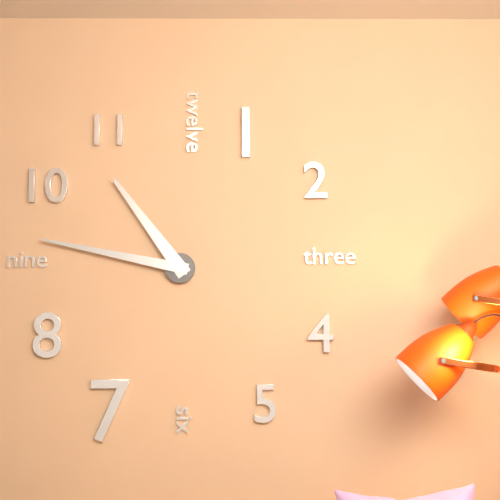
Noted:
10:47
